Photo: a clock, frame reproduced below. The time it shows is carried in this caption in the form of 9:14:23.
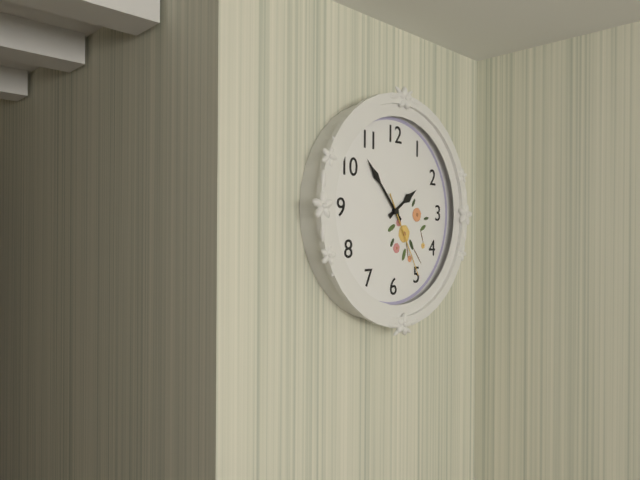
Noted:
1:53:25
